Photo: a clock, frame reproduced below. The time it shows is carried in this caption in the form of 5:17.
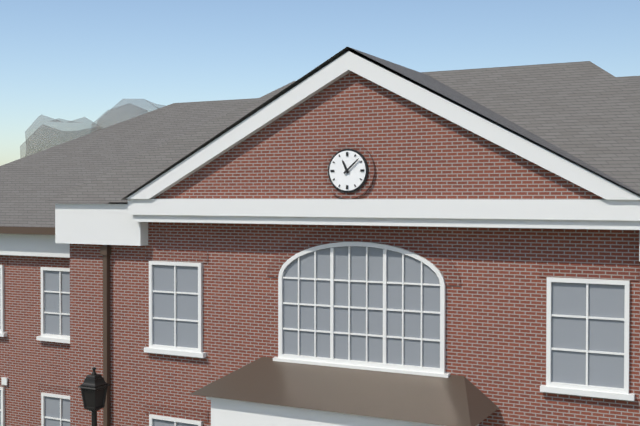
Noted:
11:08
